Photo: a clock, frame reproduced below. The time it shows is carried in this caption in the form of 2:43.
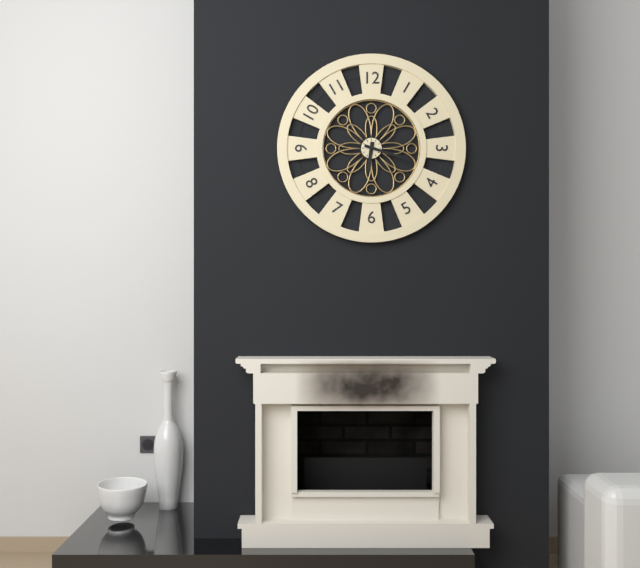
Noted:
6:18
